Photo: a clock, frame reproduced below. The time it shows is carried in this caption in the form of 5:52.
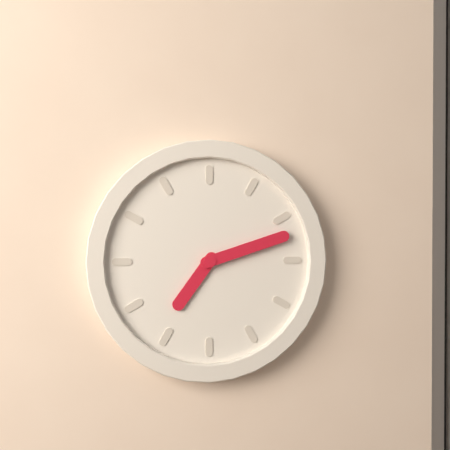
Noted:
7:12
